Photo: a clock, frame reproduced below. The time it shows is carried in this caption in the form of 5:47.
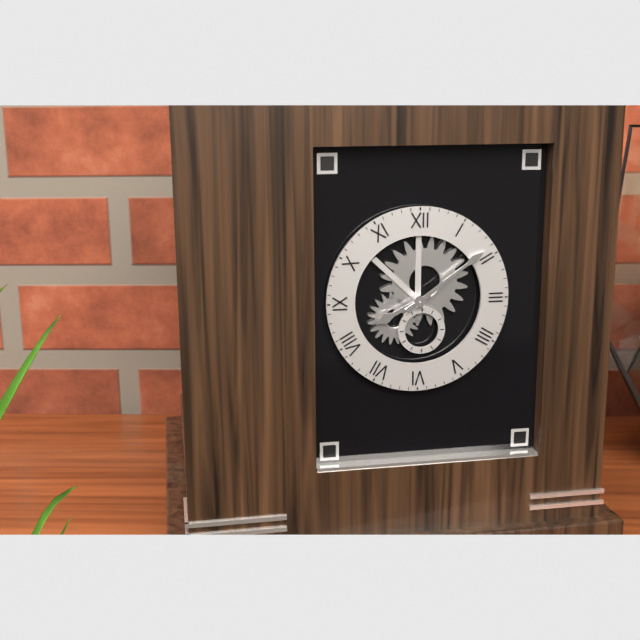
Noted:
8:09
